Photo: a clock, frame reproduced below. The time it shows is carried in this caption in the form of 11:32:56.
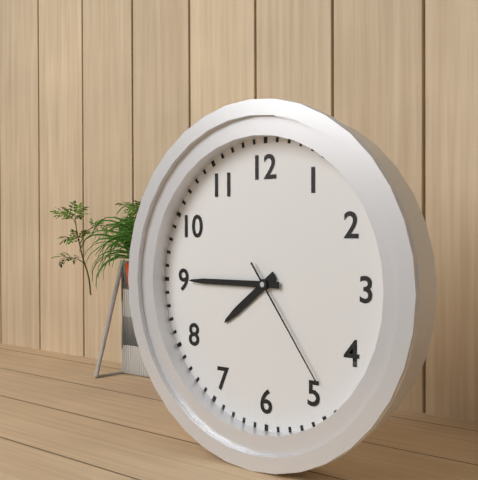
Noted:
7:45:24
